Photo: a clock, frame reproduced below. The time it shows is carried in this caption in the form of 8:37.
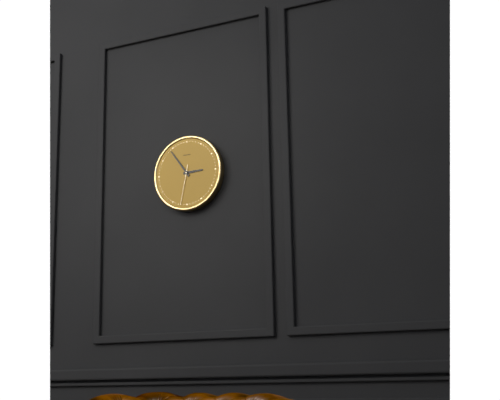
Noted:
2:54
